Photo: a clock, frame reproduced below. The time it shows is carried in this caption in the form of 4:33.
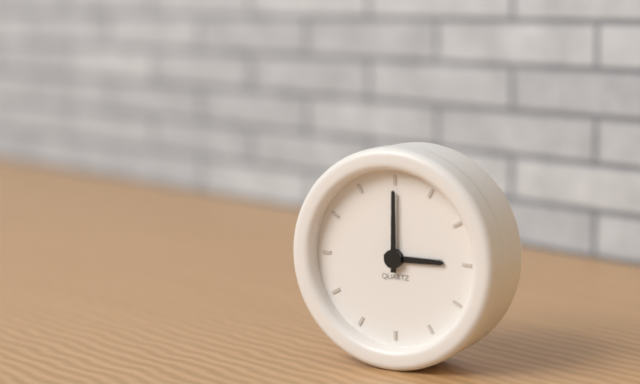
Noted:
3:00
